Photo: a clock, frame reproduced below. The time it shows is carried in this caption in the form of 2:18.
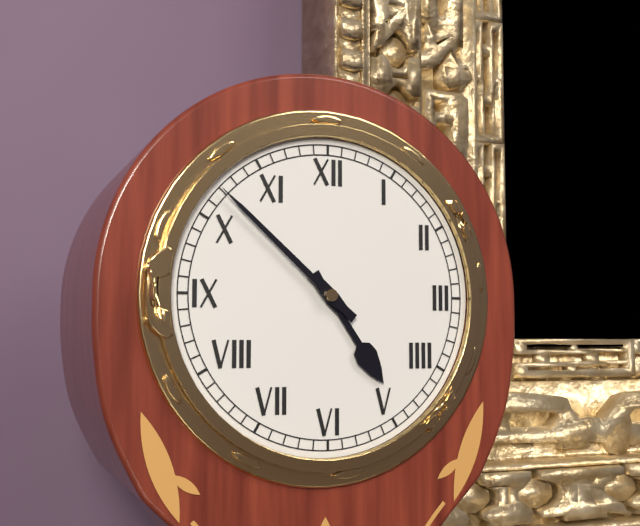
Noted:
4:52
